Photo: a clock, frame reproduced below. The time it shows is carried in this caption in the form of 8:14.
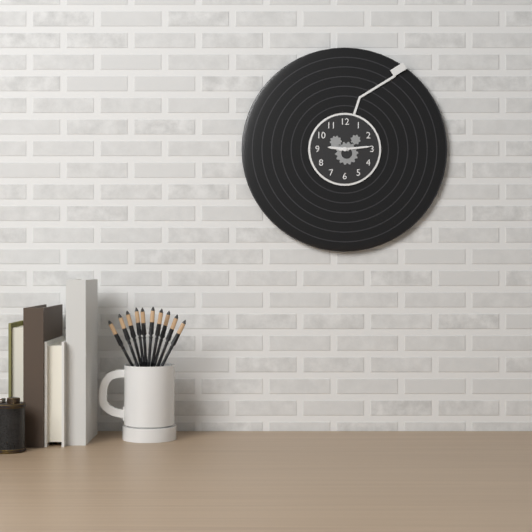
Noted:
9:14
